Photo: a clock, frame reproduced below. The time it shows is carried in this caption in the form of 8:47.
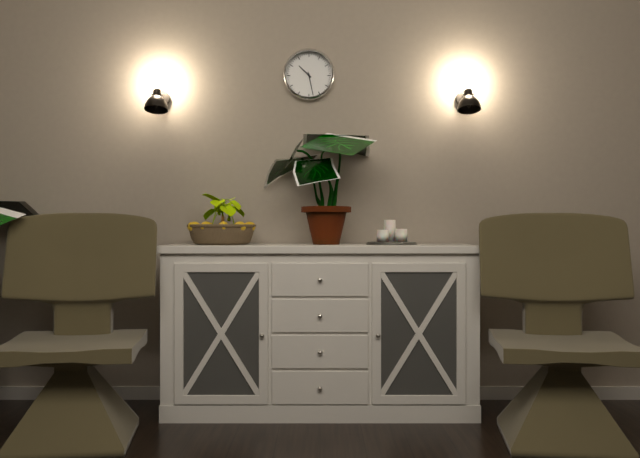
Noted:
10:28
